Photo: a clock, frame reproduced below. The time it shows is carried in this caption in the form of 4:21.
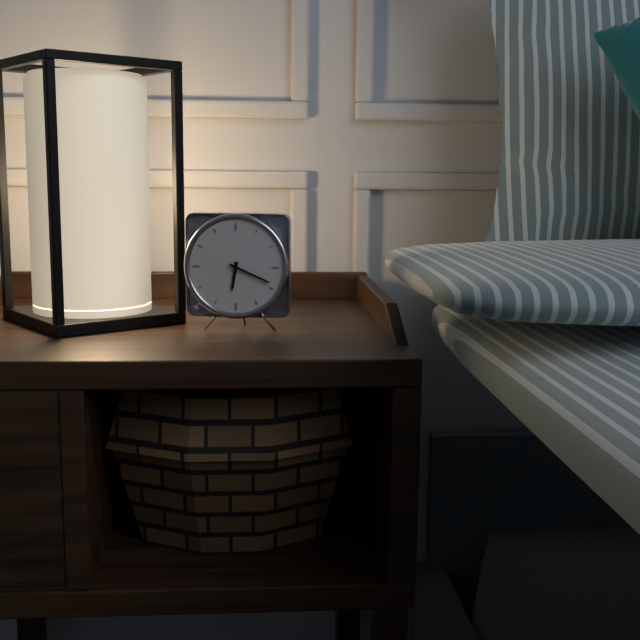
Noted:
6:19
